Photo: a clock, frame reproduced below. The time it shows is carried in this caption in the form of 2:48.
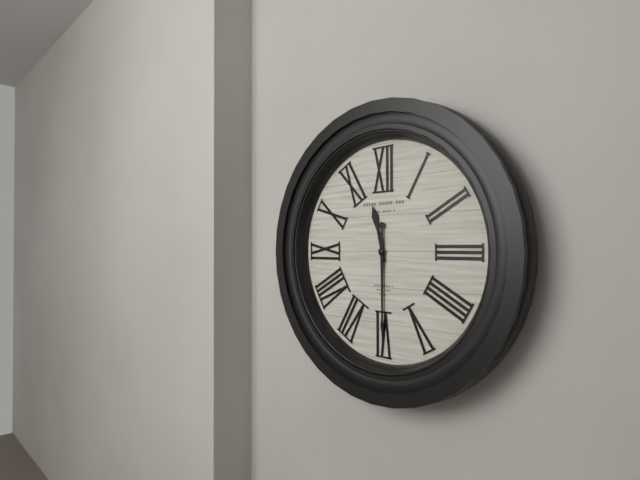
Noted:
11:30
